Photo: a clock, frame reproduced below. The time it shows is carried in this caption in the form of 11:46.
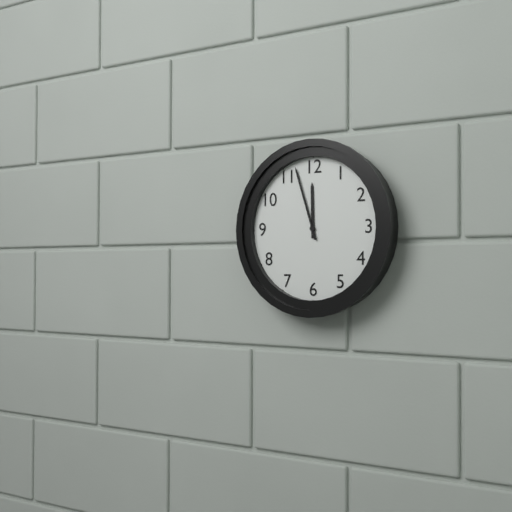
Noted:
11:57
